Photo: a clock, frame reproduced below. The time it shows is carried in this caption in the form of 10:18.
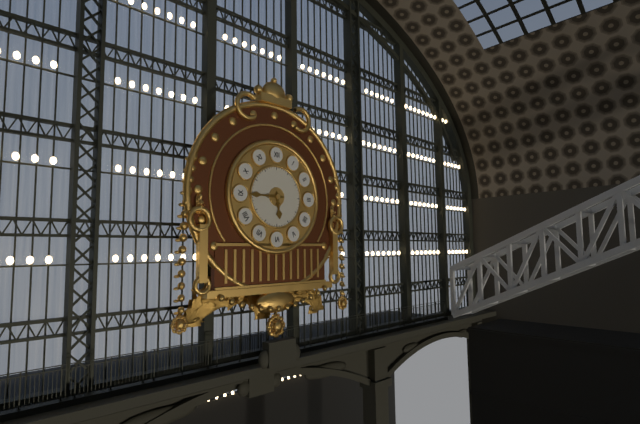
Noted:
5:45
